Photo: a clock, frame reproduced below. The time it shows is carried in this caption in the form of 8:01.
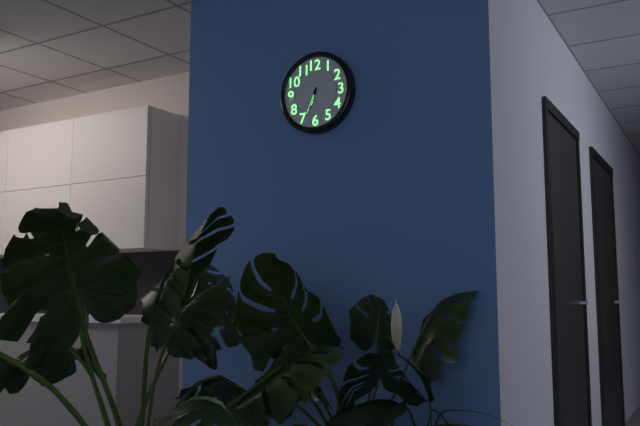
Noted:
6:34
